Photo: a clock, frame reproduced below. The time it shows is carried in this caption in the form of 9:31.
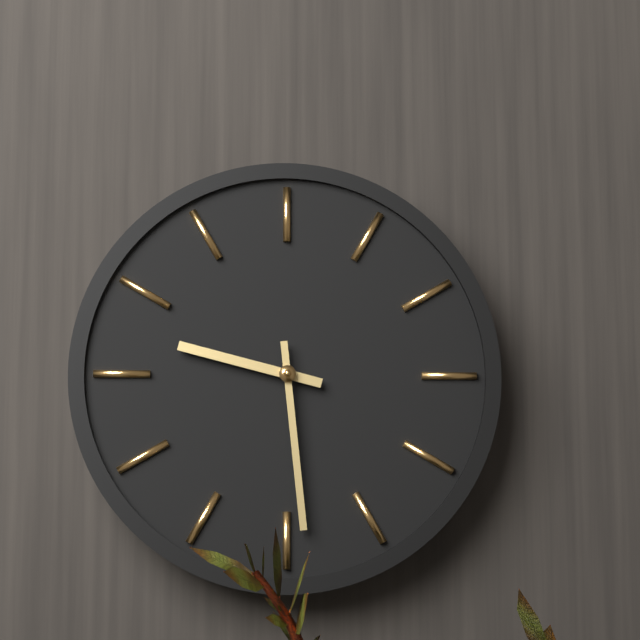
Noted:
9:29
